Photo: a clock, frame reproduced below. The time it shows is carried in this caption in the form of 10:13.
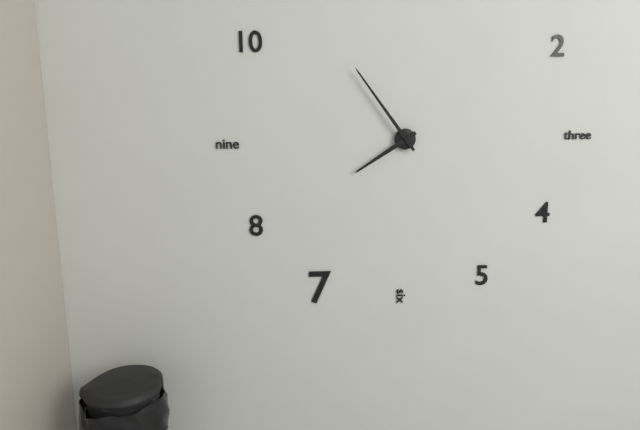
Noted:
7:54
